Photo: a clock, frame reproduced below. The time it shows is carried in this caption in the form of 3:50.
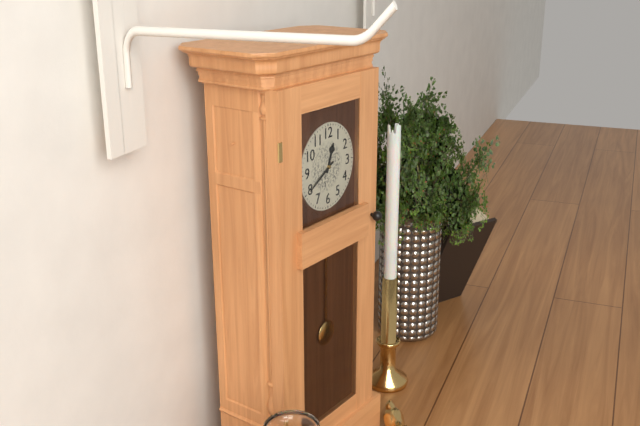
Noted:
12:40
